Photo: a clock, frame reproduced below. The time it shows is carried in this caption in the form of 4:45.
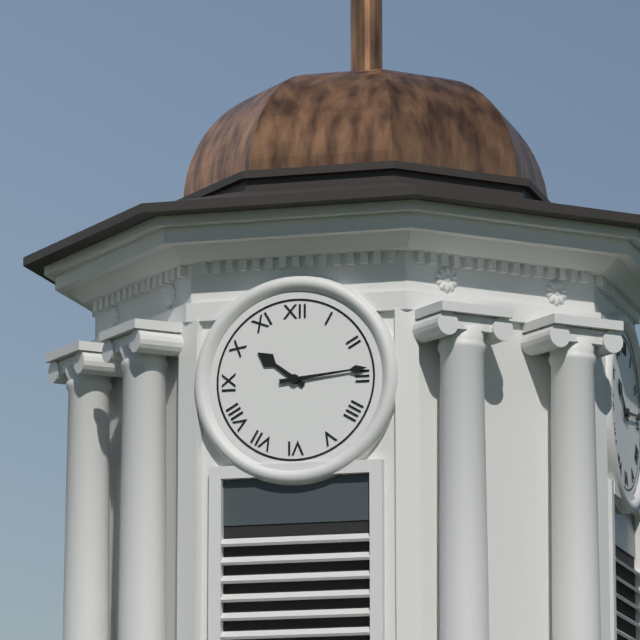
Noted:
10:14
